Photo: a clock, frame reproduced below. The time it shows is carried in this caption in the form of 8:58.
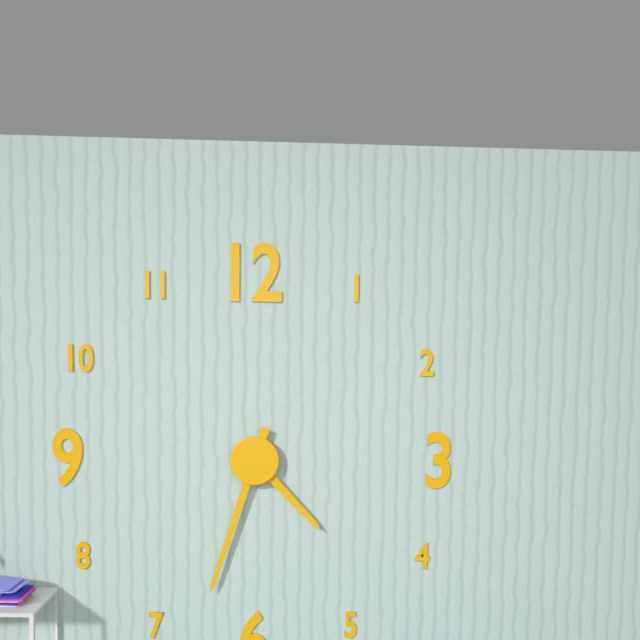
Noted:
4:33
